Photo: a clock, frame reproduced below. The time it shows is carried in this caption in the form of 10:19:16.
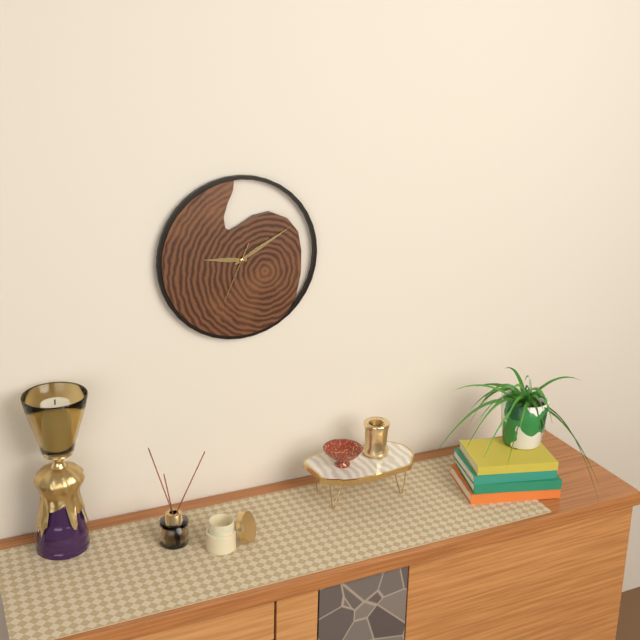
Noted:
9:10:34
